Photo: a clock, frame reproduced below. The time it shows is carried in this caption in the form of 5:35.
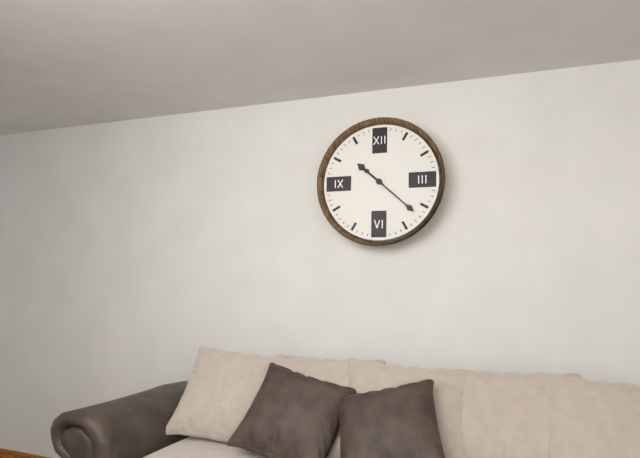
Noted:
10:22
